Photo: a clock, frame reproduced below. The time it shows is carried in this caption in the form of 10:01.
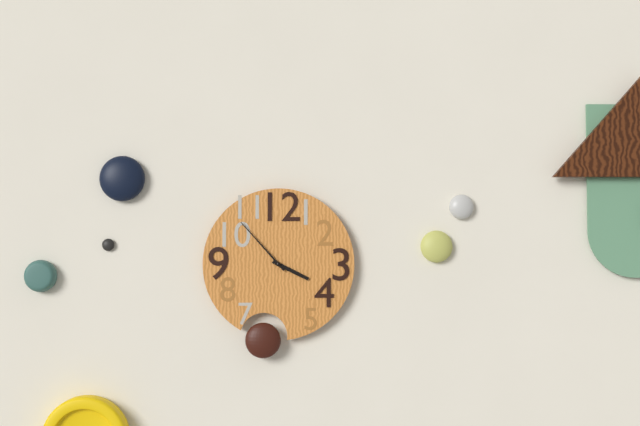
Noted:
3:53
